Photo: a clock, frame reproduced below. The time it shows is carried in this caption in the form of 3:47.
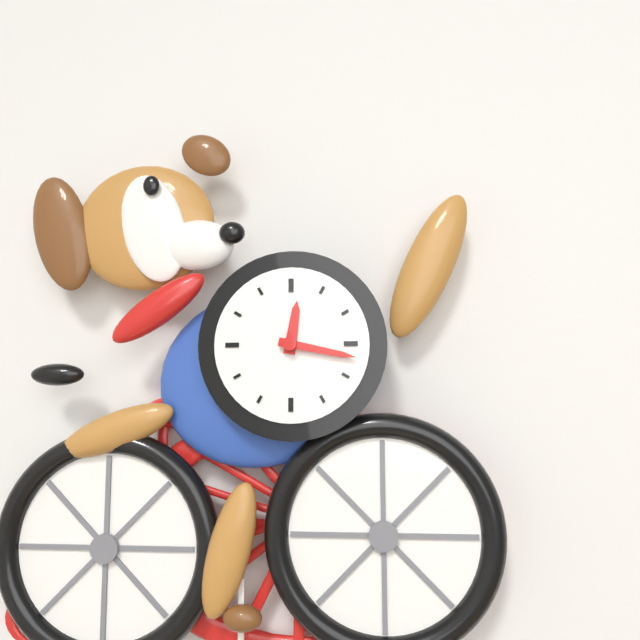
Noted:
12:17
